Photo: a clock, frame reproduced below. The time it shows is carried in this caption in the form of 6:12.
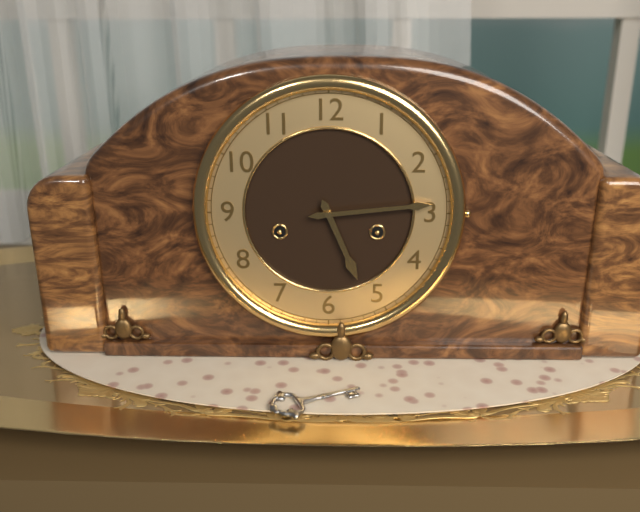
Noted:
5:14
